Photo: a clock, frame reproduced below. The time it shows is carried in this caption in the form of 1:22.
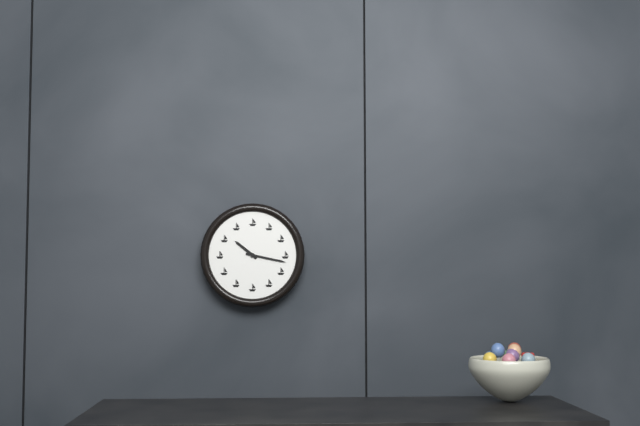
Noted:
10:17
